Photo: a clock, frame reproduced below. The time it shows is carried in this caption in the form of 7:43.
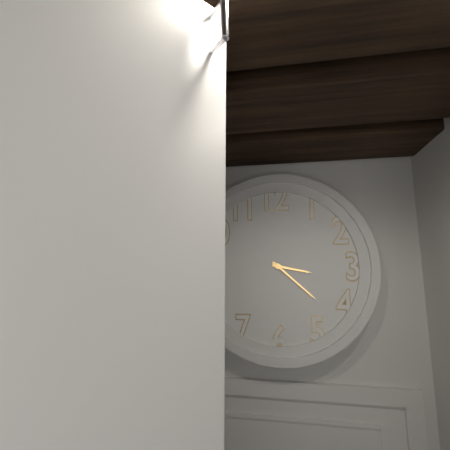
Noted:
3:22
